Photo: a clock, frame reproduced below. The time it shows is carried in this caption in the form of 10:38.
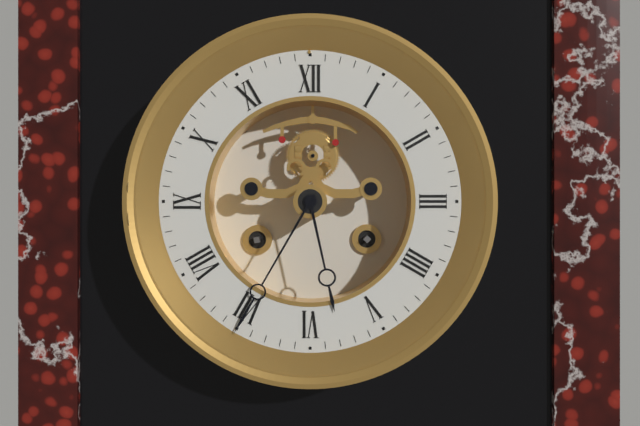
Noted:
5:35
